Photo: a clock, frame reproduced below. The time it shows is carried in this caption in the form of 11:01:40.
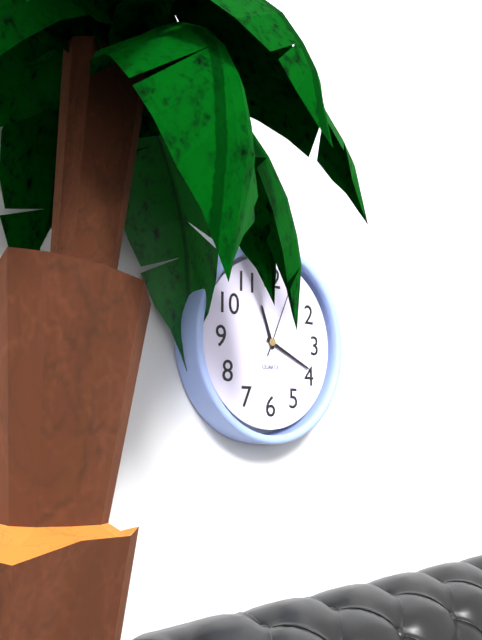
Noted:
11:19:04
